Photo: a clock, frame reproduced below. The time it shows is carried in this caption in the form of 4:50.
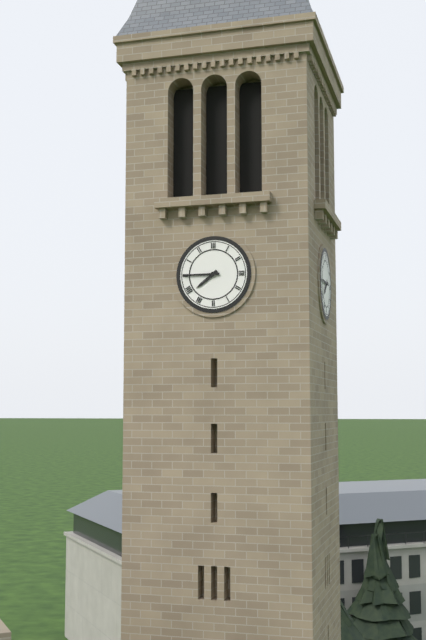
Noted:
7:45
